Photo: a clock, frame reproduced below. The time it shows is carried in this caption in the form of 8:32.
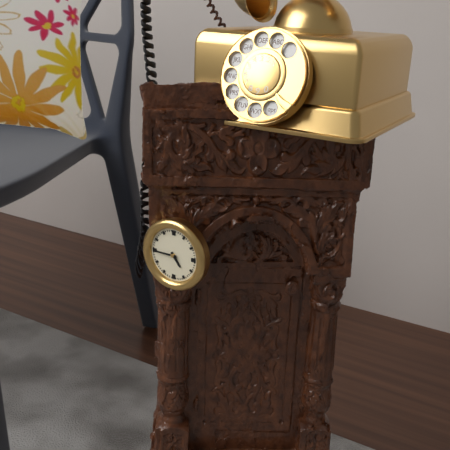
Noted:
4:45
